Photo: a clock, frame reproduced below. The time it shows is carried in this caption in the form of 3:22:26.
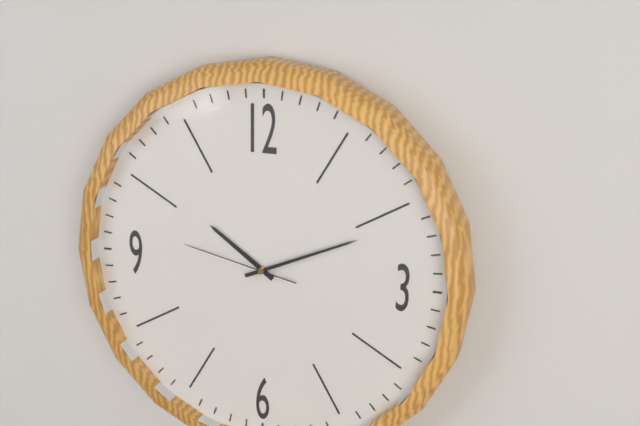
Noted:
10:11:47
